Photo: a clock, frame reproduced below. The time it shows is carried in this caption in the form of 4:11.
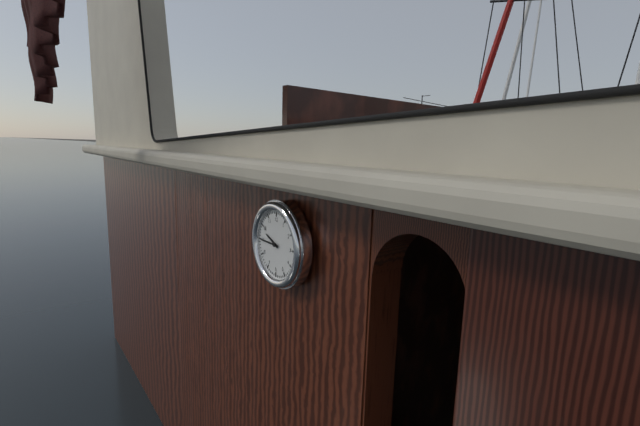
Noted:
9:45
